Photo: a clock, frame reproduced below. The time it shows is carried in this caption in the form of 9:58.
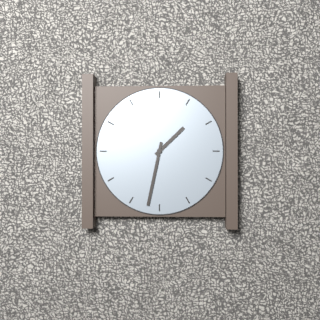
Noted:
1:32
